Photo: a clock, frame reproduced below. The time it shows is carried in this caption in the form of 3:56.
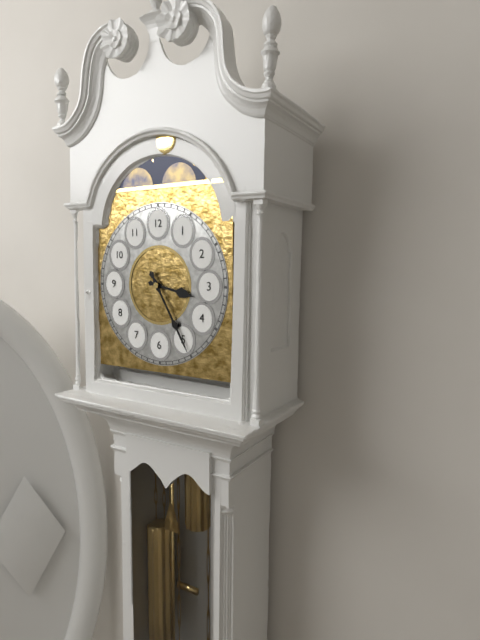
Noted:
3:25
